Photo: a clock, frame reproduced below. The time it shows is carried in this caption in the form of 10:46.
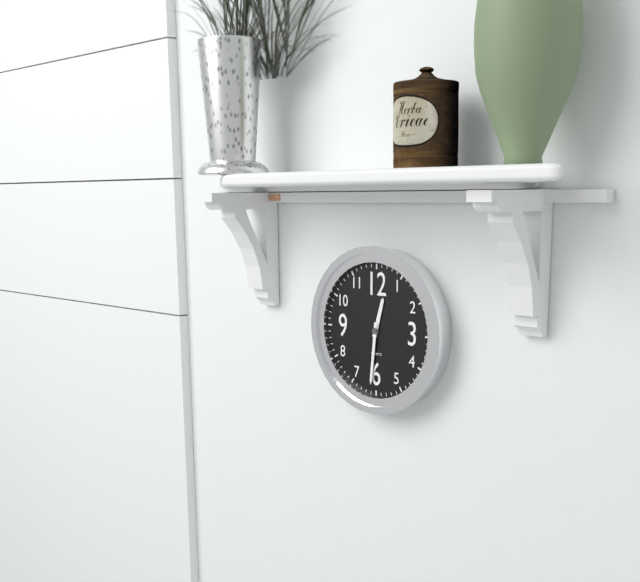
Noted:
12:31
